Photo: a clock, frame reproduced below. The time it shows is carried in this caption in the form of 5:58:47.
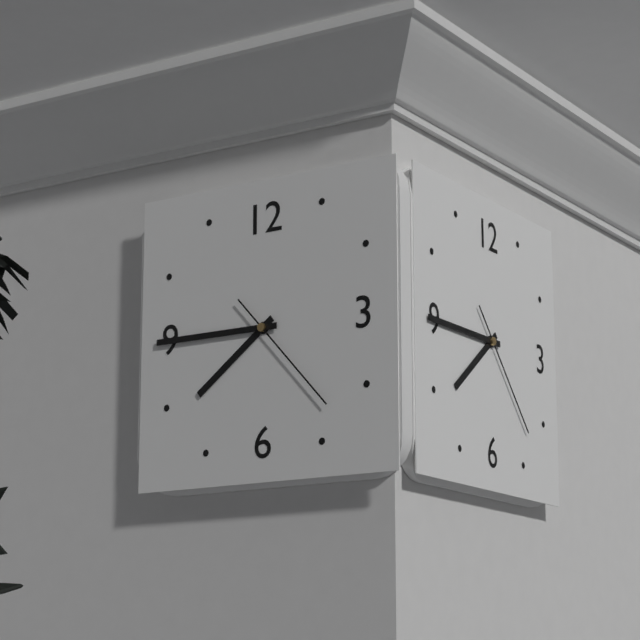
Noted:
7:45:23
